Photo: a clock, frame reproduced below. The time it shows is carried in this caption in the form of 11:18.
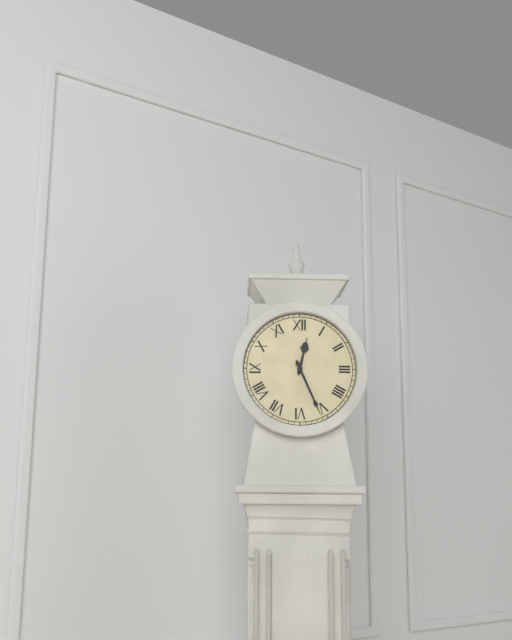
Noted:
12:26
